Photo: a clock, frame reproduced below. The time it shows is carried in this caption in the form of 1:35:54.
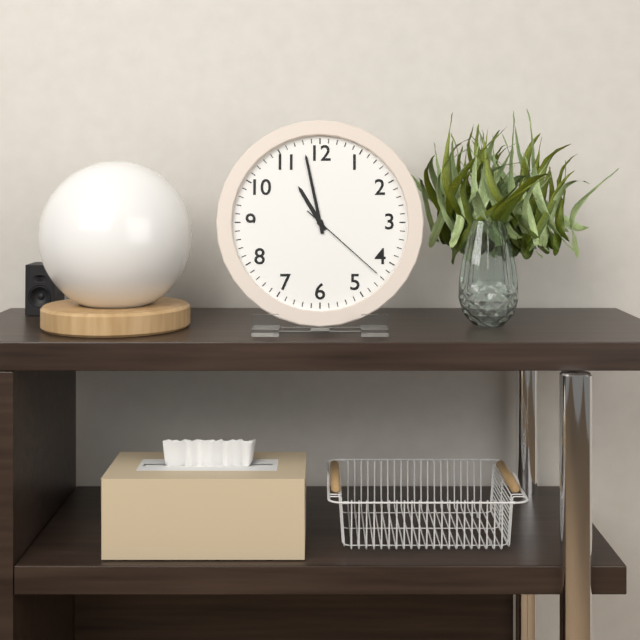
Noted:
10:58:22
